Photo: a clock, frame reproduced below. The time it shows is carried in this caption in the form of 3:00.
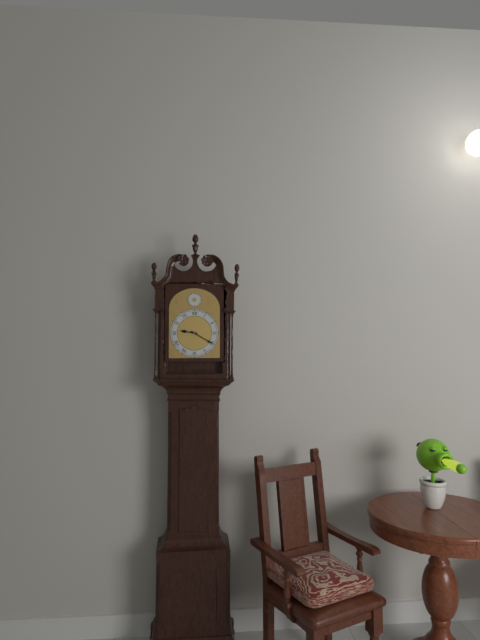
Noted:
9:20
